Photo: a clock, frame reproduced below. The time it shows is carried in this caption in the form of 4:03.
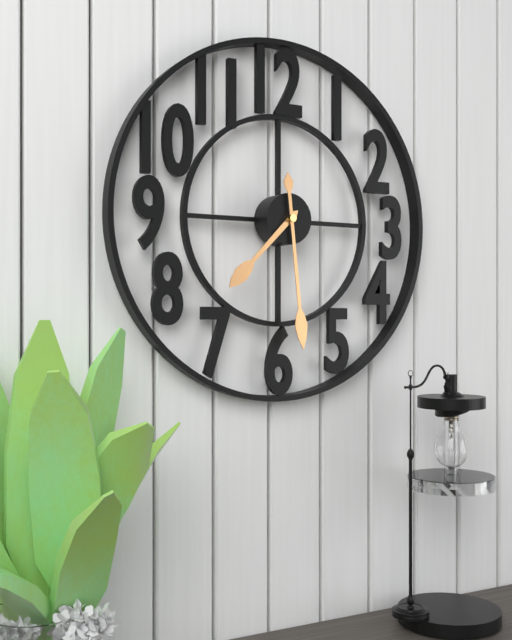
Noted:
7:29
